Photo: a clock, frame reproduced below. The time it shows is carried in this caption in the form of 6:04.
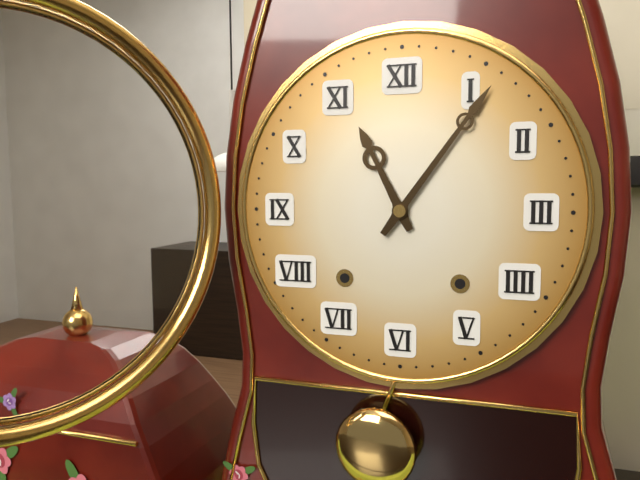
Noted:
11:06
